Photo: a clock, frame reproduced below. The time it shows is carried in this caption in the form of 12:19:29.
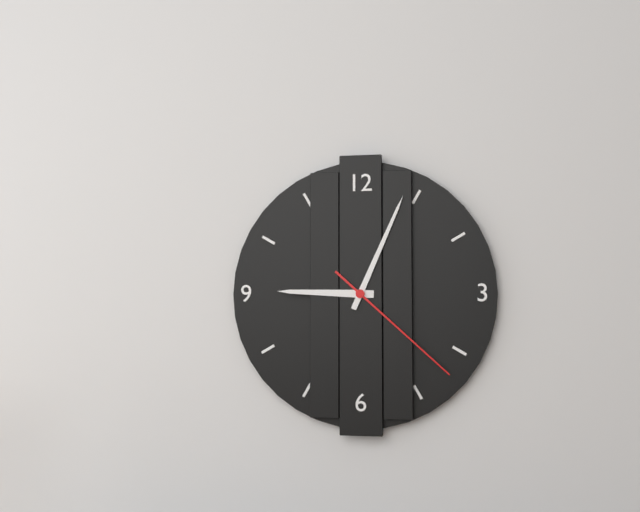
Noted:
9:04:22
